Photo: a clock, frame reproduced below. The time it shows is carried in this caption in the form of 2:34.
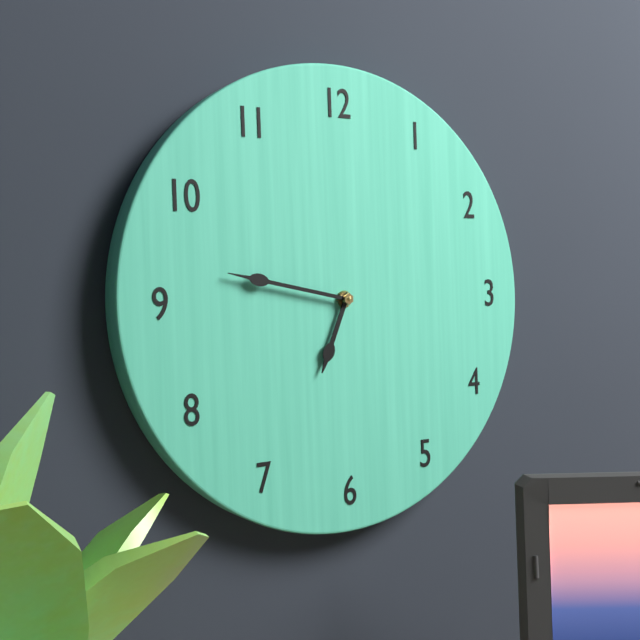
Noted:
6:47
